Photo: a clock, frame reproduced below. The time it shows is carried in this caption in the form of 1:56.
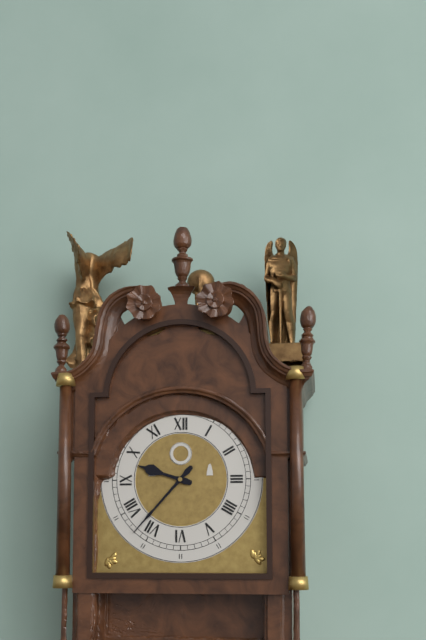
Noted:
9:37
